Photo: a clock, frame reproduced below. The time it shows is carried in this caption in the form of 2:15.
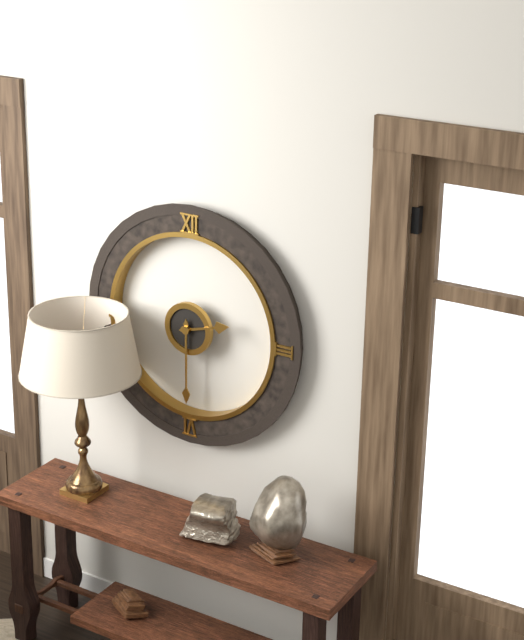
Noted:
2:30
